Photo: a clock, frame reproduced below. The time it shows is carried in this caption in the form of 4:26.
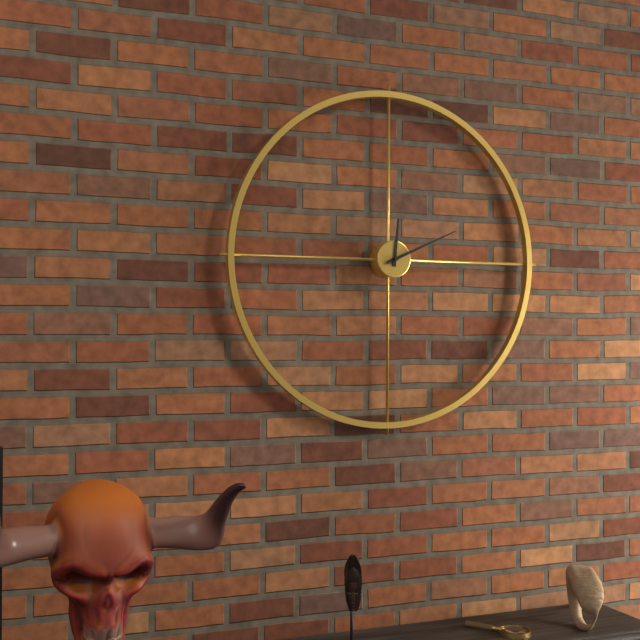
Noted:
12:11
